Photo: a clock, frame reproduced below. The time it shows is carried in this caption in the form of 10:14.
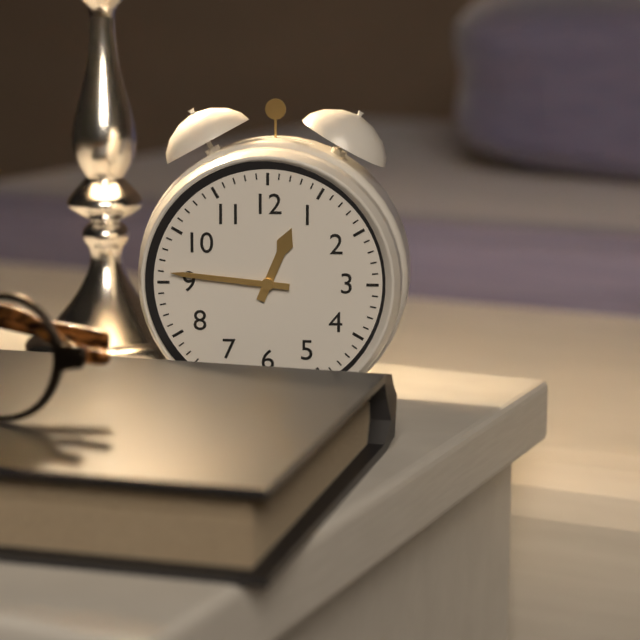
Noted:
12:46
